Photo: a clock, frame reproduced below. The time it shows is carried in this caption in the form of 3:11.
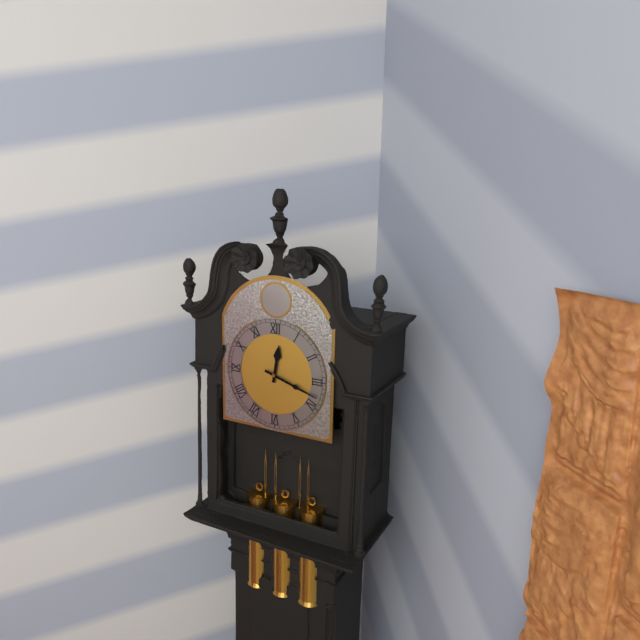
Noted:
12:18
